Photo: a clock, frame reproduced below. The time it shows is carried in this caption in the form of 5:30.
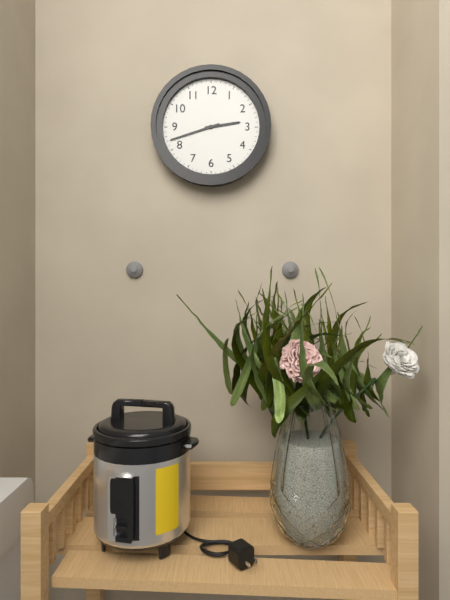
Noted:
2:42
